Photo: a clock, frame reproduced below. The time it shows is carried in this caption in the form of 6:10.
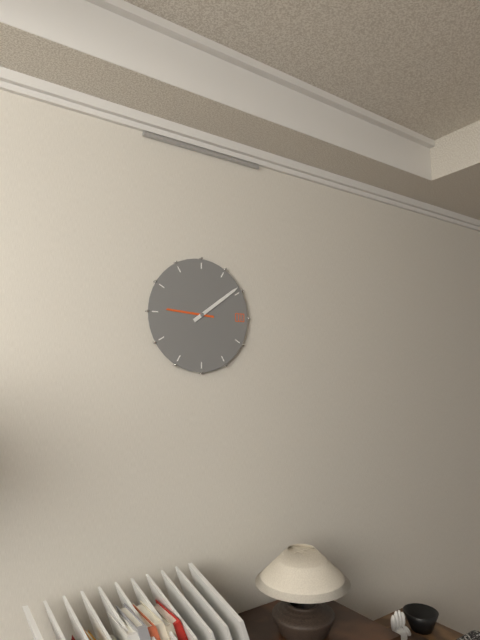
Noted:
9:09
